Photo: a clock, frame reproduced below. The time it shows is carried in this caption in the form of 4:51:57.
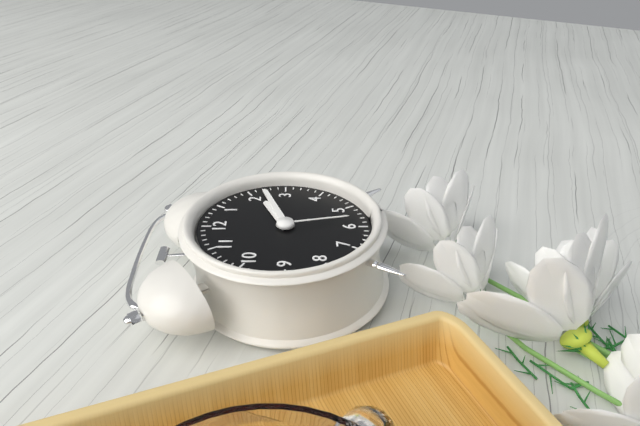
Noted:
2:12:28
